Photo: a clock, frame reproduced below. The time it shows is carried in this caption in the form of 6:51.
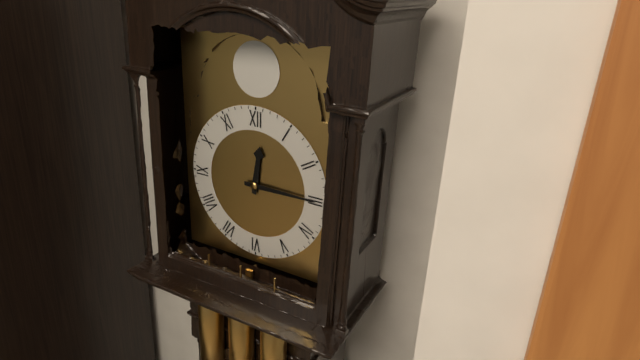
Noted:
12:15
